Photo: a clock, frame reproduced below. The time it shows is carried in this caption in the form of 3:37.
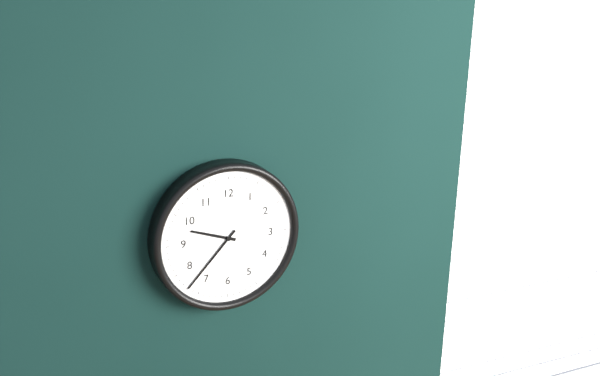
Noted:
9:37
